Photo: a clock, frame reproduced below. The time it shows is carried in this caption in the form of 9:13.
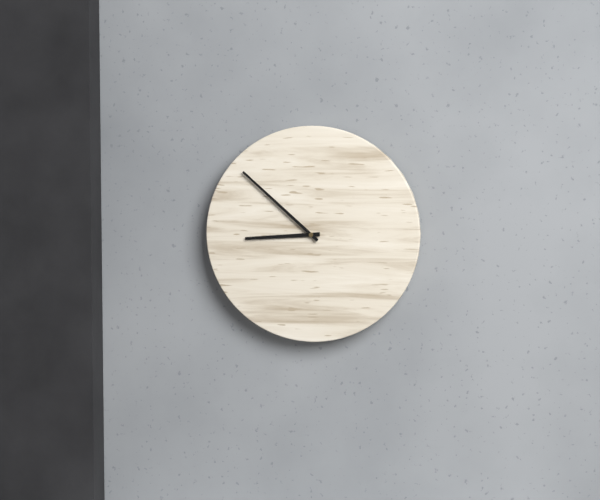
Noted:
8:52
